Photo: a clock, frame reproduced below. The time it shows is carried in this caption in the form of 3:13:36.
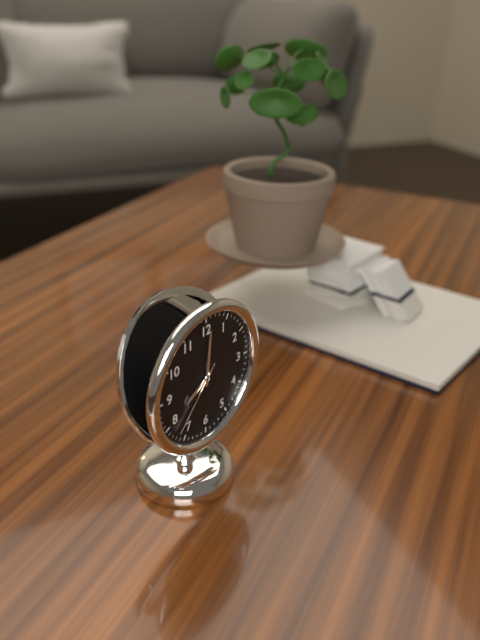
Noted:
8:01:37
